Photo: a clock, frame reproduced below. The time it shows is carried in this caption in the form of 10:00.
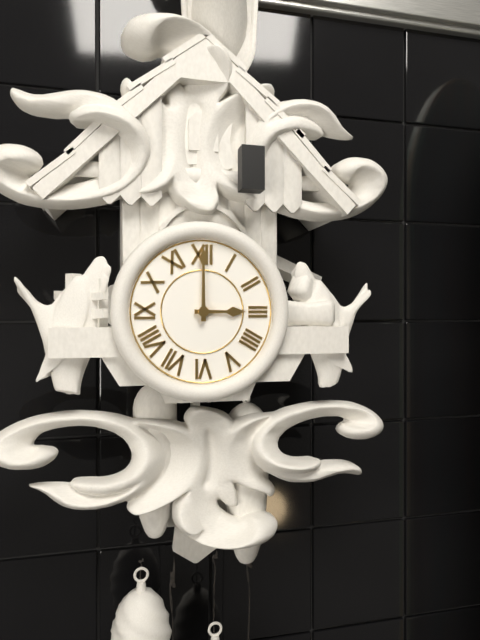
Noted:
3:00
